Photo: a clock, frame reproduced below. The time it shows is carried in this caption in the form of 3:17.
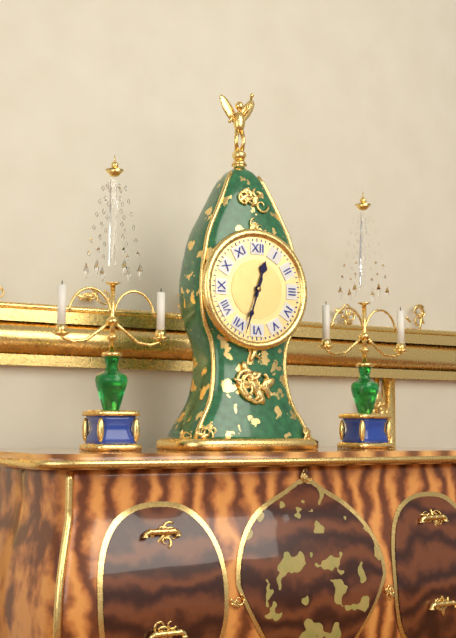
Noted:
12:33
